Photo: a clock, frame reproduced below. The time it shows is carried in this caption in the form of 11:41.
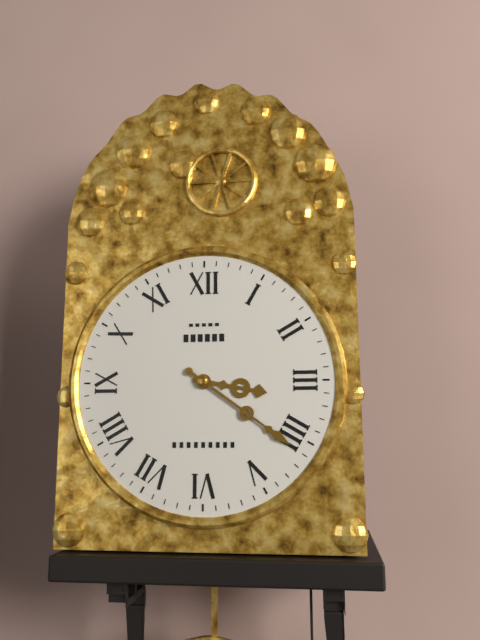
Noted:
3:21
